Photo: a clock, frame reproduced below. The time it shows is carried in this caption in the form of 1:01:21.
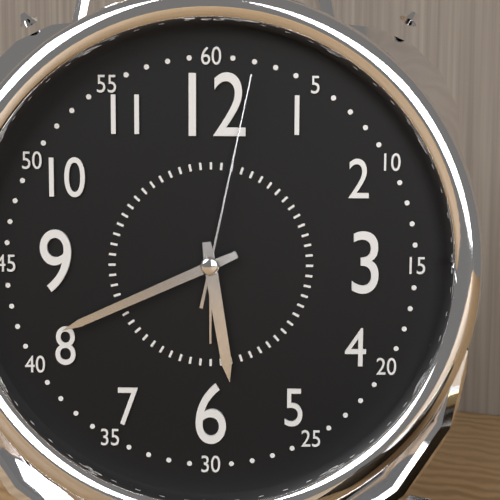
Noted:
5:41:02
